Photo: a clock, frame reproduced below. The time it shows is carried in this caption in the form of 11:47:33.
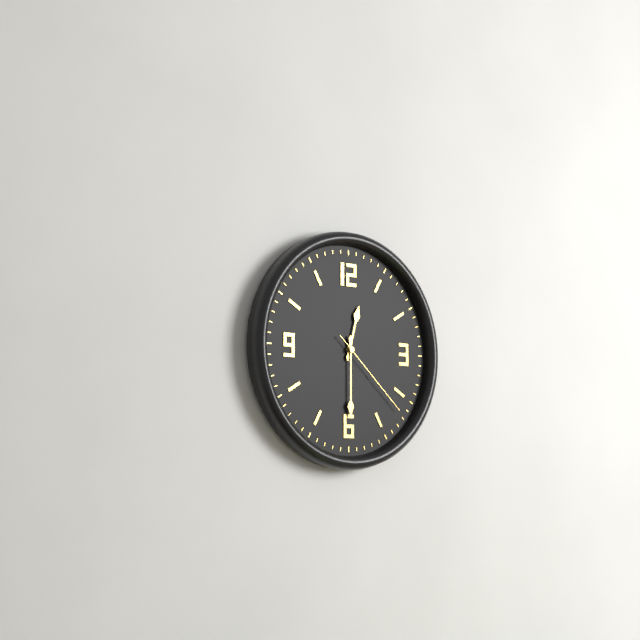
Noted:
12:30:22
